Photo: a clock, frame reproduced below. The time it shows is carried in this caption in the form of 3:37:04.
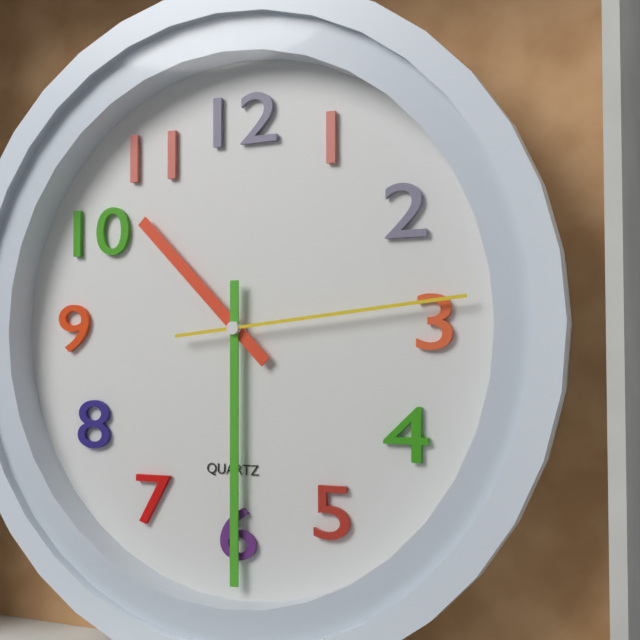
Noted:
10:30:14
